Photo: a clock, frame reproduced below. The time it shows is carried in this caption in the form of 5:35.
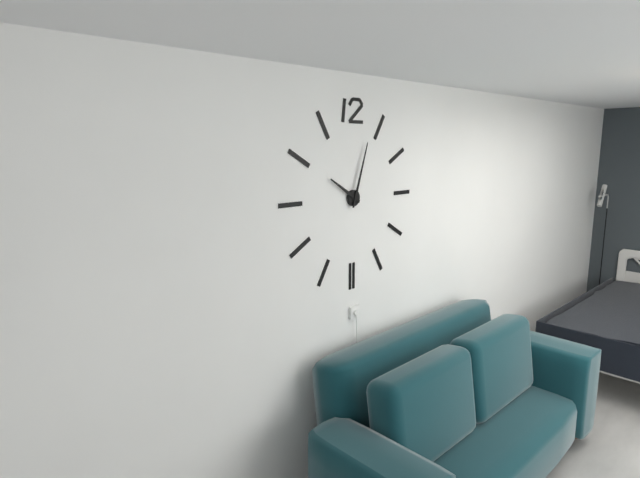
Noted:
10:03
